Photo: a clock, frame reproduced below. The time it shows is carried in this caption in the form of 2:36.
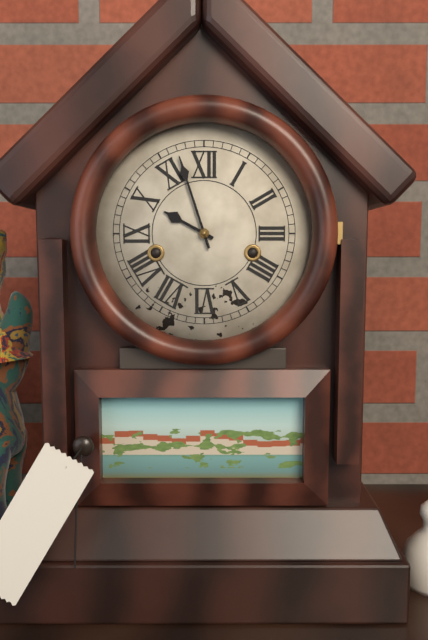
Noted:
9:57
